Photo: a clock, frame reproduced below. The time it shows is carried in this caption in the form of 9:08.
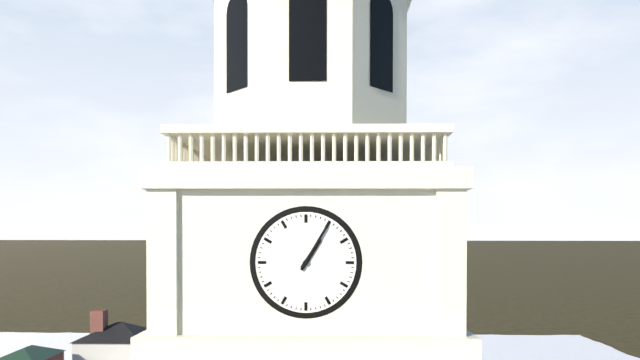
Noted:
1:05
